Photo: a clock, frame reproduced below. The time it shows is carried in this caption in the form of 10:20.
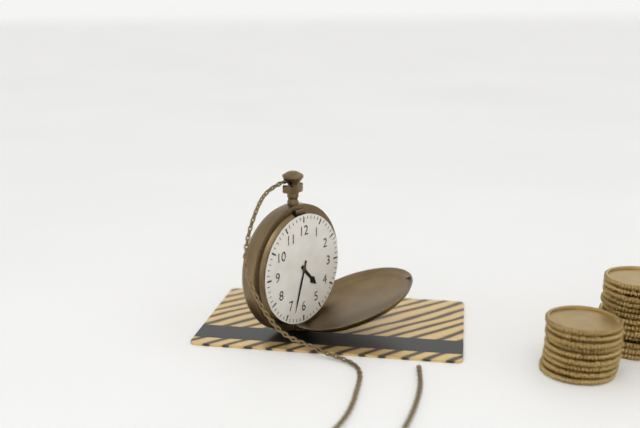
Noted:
4:33
